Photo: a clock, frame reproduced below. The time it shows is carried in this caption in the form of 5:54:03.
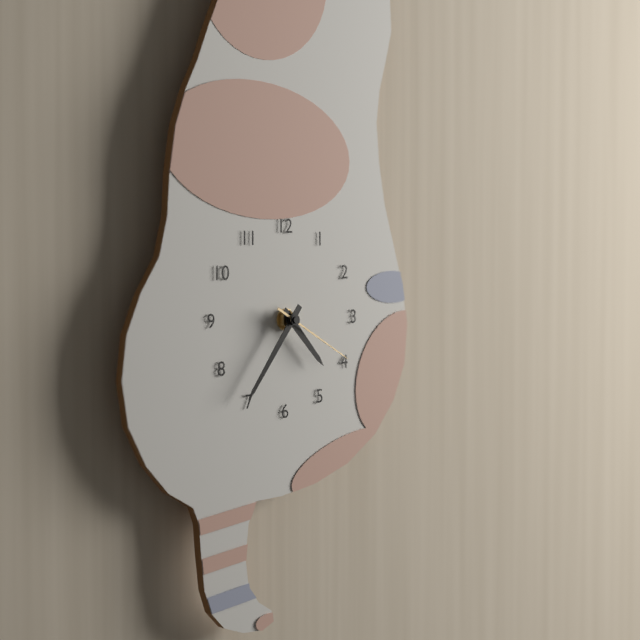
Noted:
4:36:20
